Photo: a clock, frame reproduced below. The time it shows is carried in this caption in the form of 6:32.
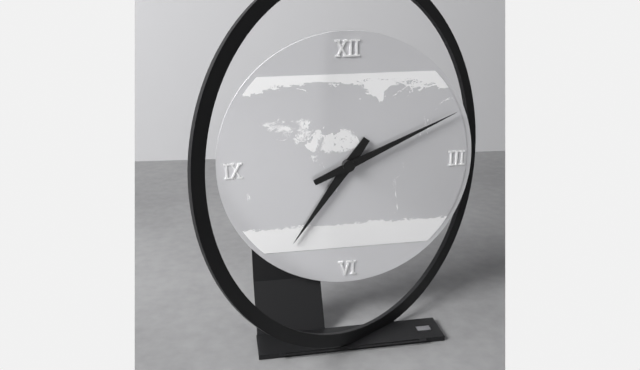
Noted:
7:11
